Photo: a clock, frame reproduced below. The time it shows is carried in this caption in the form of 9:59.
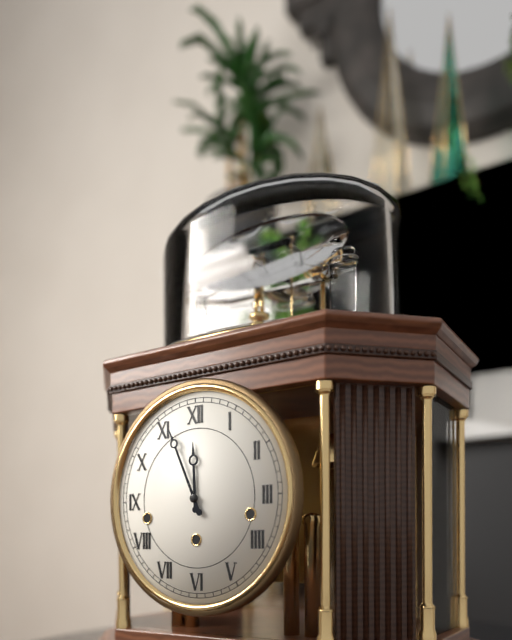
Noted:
11:56
